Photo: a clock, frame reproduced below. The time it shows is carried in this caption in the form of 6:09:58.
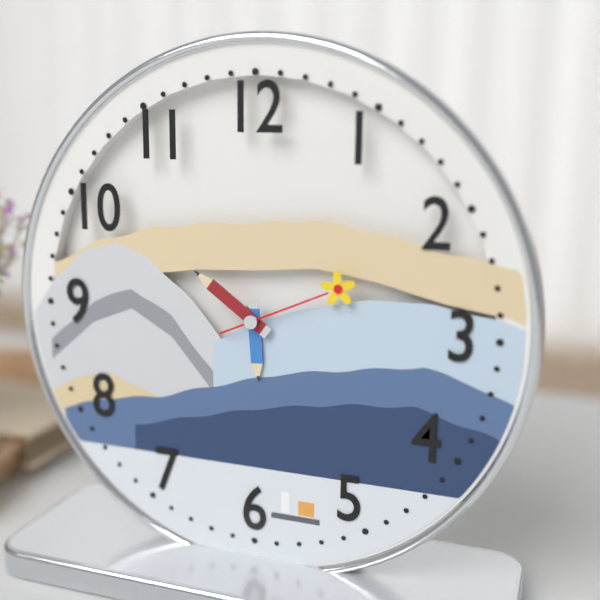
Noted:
5:51:11
